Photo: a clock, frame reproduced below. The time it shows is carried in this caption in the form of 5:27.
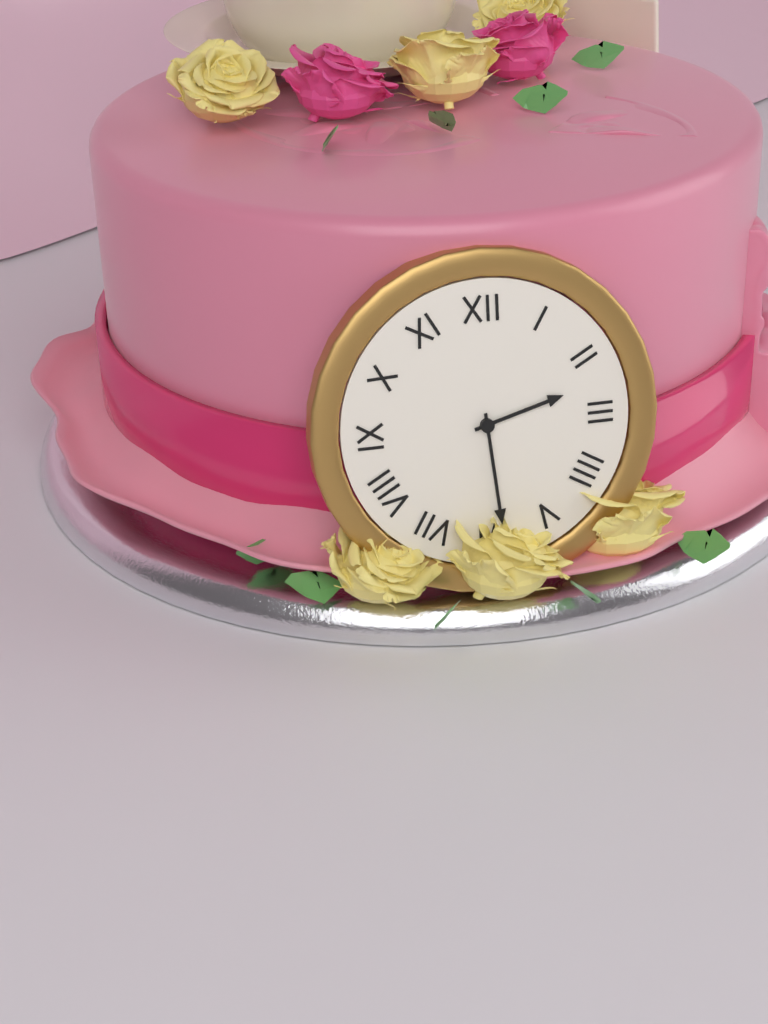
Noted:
2:29
